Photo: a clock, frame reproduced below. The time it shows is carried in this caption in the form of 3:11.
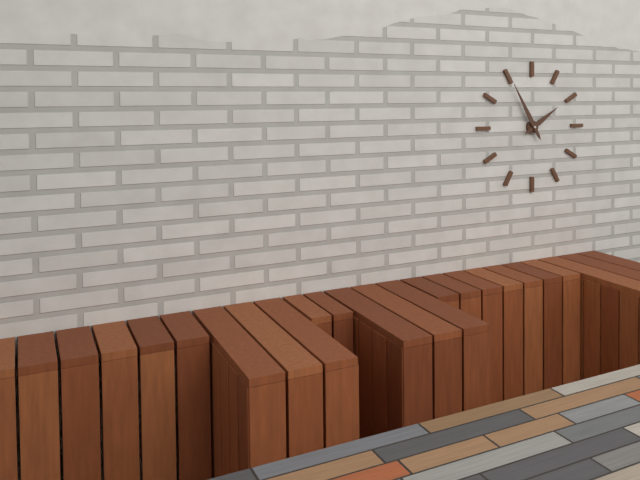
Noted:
1:55
